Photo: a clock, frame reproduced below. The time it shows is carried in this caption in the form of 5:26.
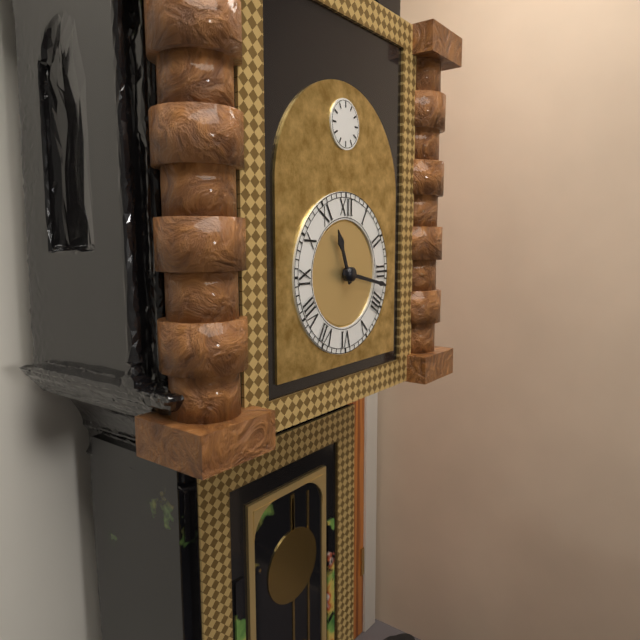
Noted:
11:17
